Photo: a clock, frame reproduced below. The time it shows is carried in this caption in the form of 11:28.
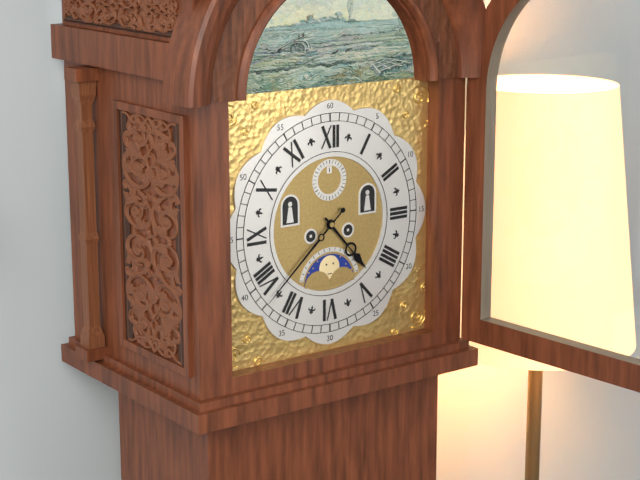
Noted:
4:38
